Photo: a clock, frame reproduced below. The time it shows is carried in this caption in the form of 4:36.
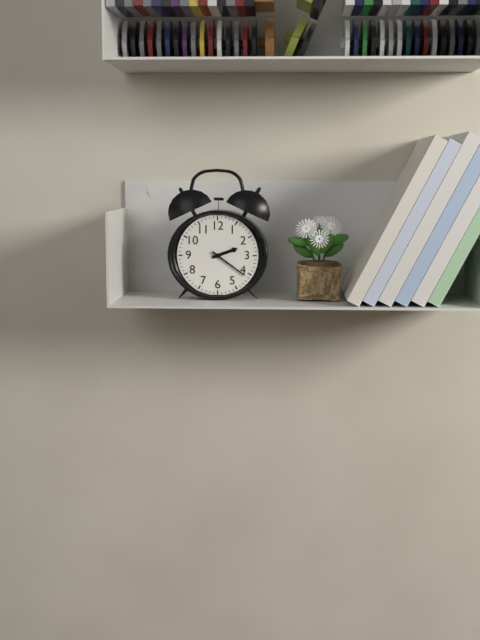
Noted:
2:21
